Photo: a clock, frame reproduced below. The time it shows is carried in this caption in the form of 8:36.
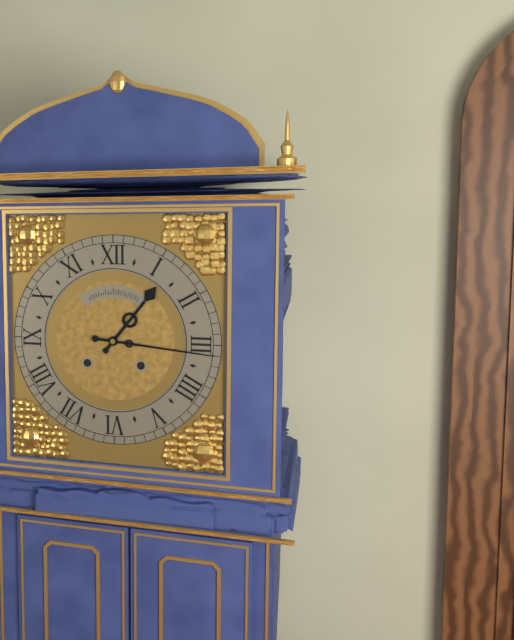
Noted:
1:16
